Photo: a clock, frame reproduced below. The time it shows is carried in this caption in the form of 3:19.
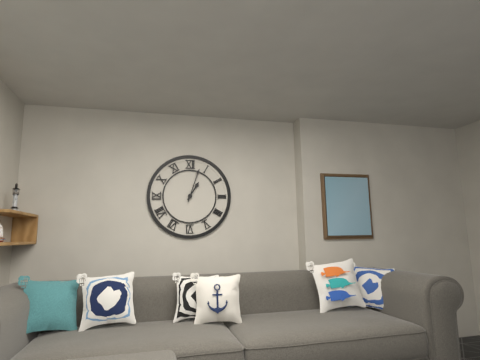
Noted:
1:03
